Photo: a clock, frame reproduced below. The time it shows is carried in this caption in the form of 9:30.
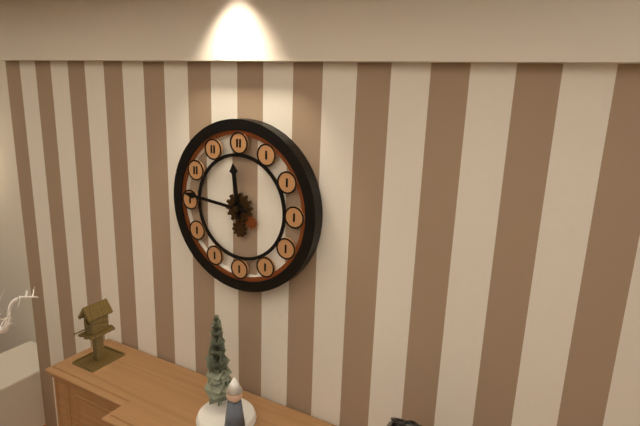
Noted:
11:46
